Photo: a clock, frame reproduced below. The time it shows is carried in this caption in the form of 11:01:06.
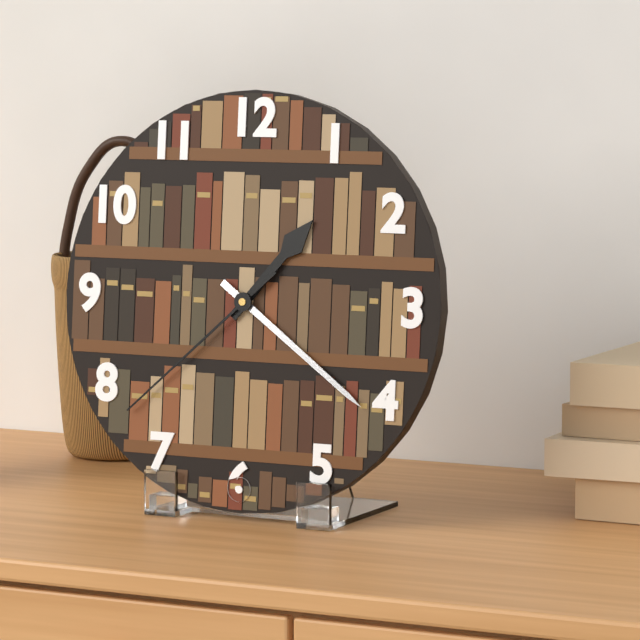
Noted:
1:21:38
